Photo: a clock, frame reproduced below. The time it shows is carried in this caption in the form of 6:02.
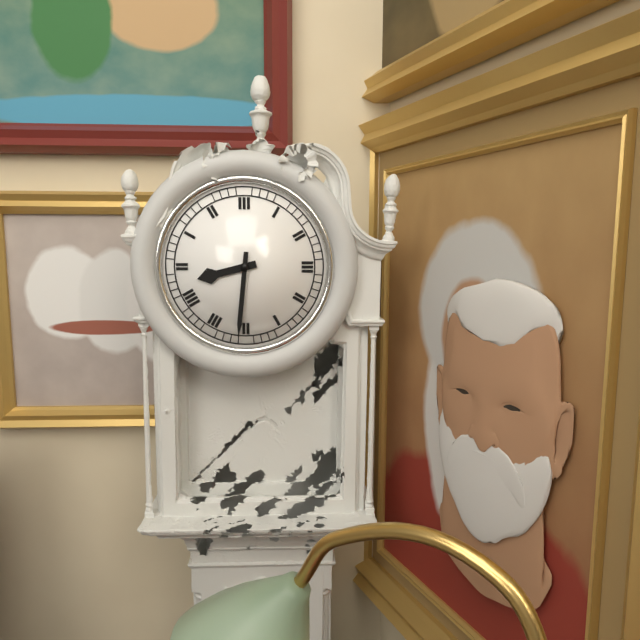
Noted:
8:31
